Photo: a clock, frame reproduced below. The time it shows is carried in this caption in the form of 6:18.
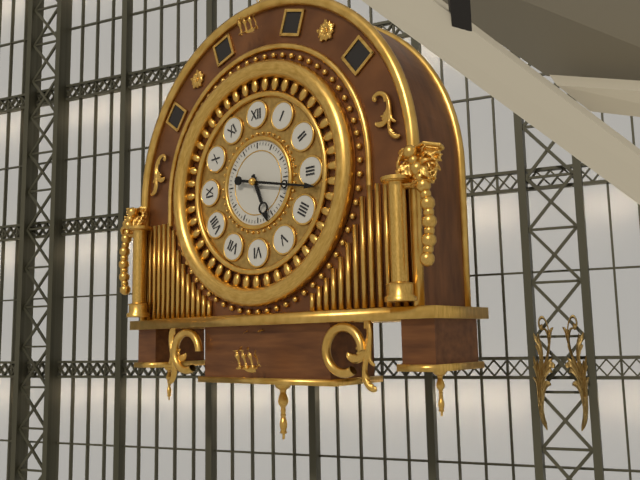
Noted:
5:17
